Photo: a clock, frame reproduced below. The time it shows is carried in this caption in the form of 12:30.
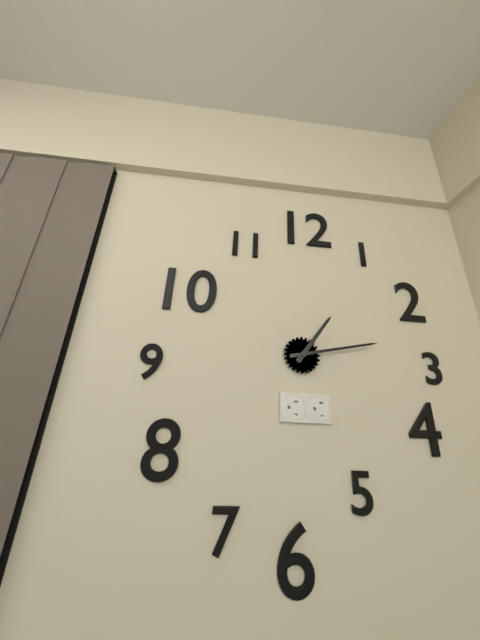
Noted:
1:13
